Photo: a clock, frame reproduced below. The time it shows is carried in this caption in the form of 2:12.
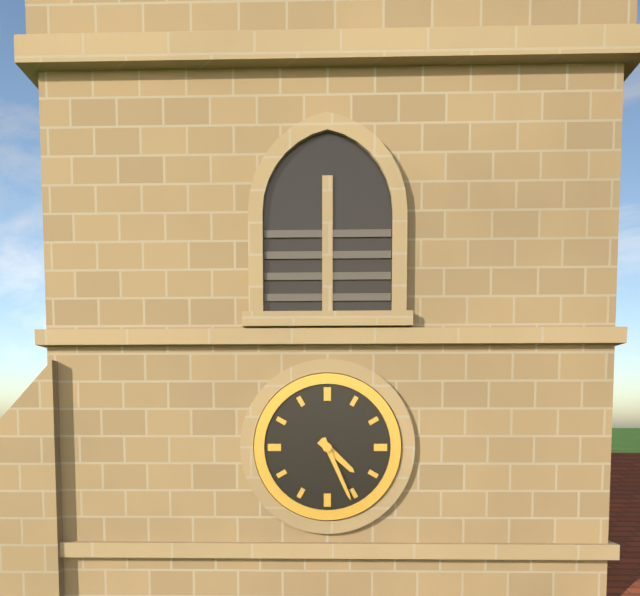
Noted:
4:26
